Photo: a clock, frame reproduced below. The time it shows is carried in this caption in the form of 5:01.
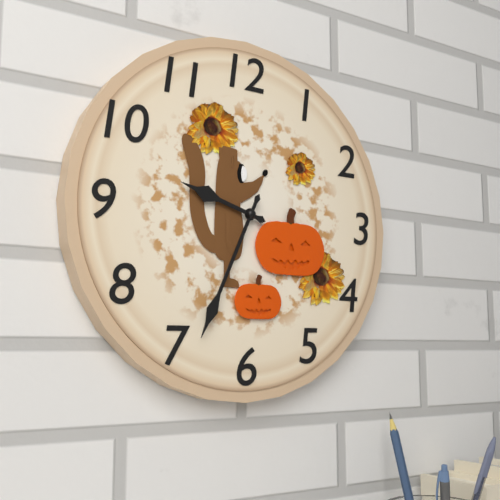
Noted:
9:34
